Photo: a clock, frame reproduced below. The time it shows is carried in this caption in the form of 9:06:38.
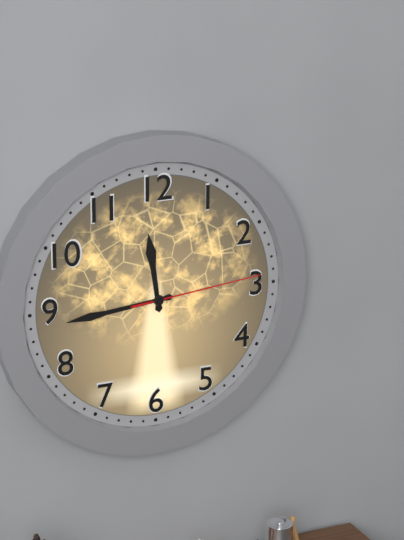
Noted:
11:44:14
